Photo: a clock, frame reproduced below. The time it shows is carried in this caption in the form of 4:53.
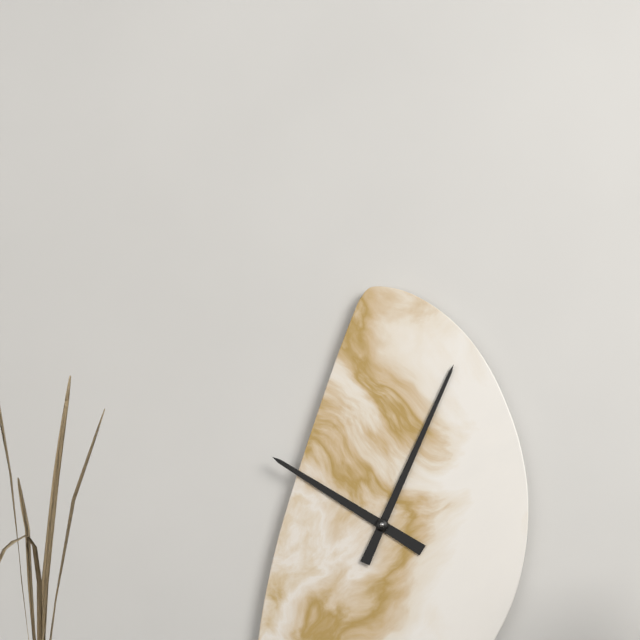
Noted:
10:04
